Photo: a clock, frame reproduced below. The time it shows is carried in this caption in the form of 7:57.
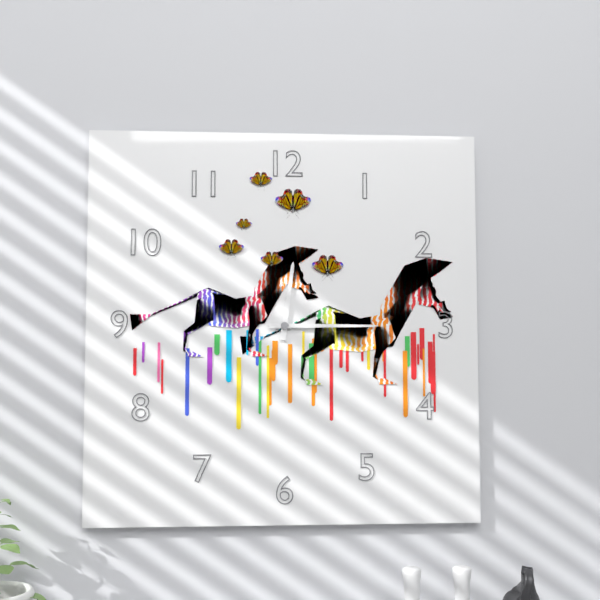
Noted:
12:15
